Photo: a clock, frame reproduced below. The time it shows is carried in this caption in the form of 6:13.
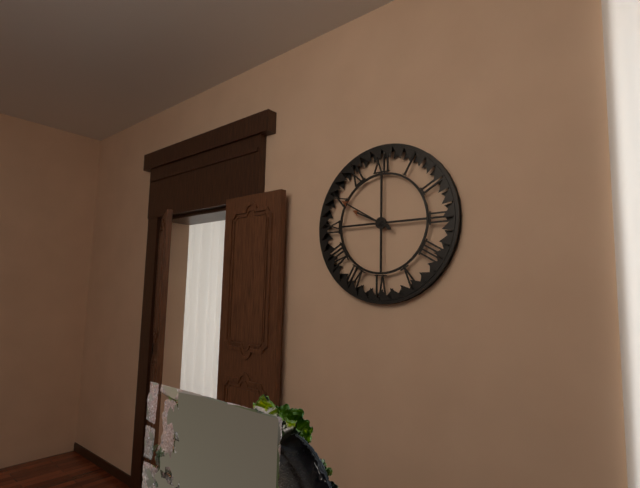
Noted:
9:50
